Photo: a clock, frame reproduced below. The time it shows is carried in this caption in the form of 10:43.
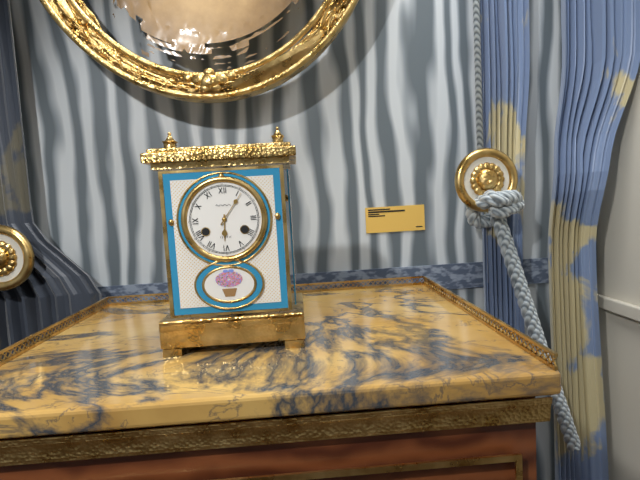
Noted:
6:06
